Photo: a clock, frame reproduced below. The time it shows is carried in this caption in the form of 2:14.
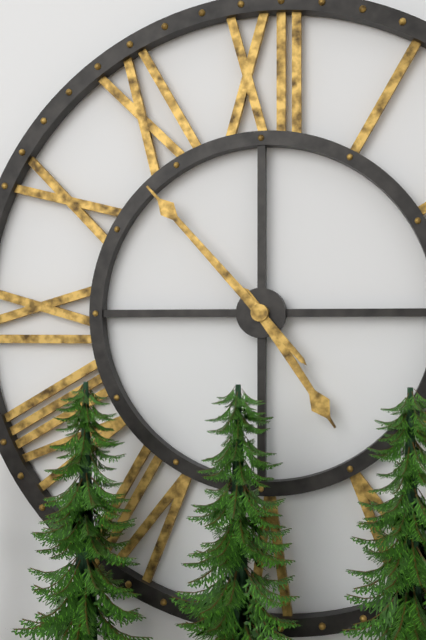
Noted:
4:53
